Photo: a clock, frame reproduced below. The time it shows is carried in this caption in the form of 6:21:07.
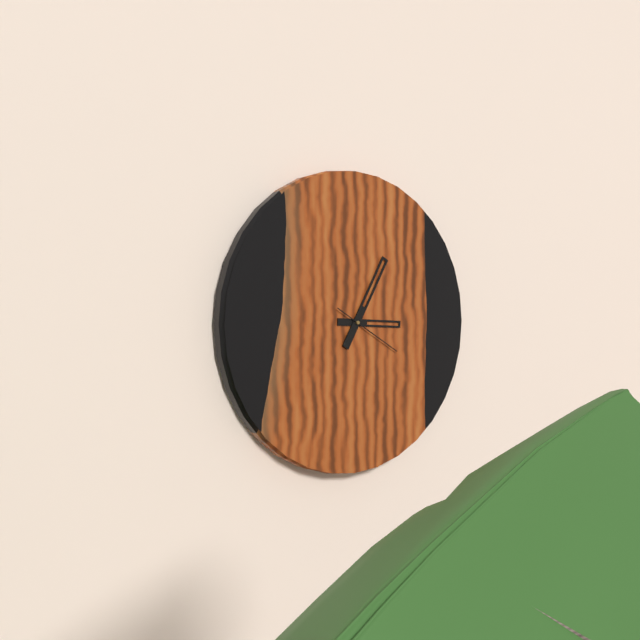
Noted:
3:05:20
